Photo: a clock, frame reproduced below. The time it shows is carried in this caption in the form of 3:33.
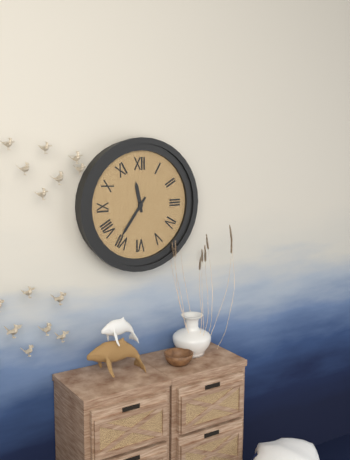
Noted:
11:36
